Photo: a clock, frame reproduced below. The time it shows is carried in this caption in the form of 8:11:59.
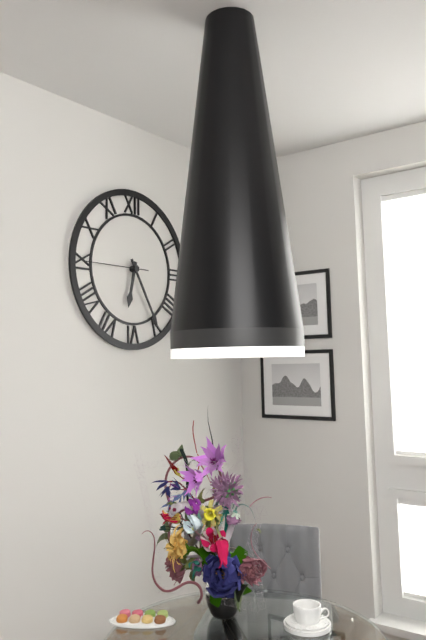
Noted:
6:25:45
